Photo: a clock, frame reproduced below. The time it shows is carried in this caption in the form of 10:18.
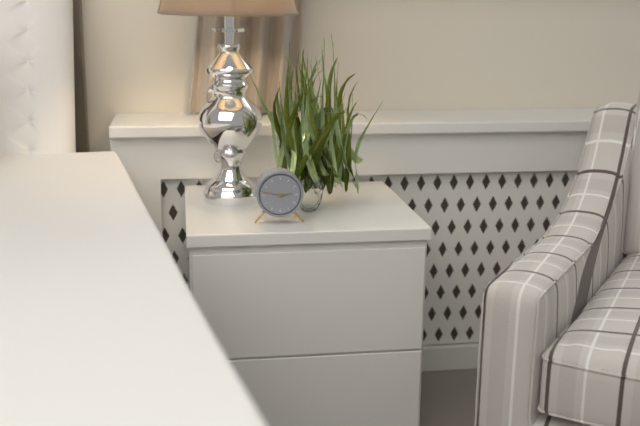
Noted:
2:47
